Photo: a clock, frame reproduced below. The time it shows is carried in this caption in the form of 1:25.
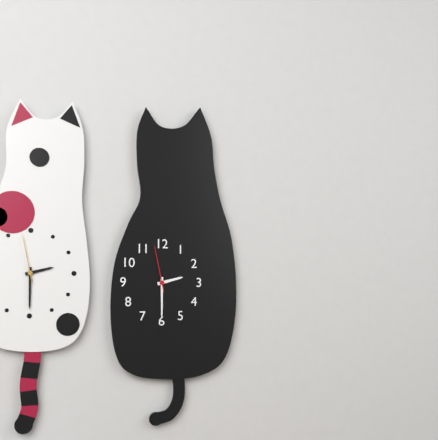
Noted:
2:30
